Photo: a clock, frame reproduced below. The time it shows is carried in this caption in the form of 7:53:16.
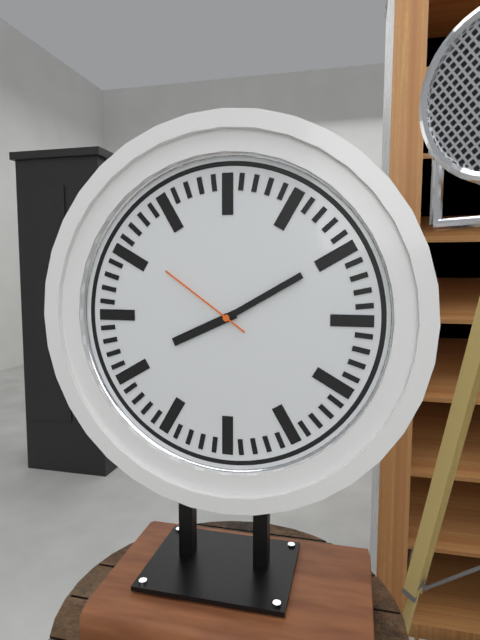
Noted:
8:10:51
